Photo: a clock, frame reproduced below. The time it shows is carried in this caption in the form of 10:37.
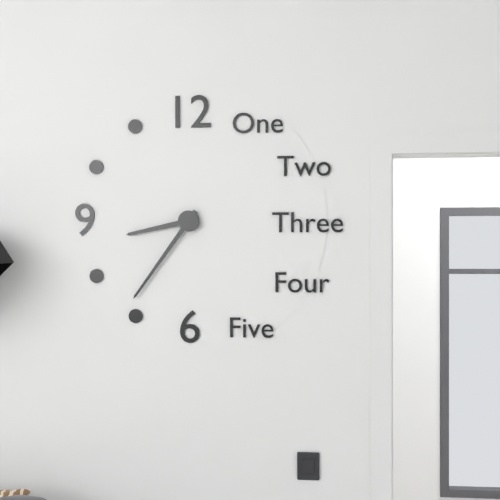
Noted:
8:36
